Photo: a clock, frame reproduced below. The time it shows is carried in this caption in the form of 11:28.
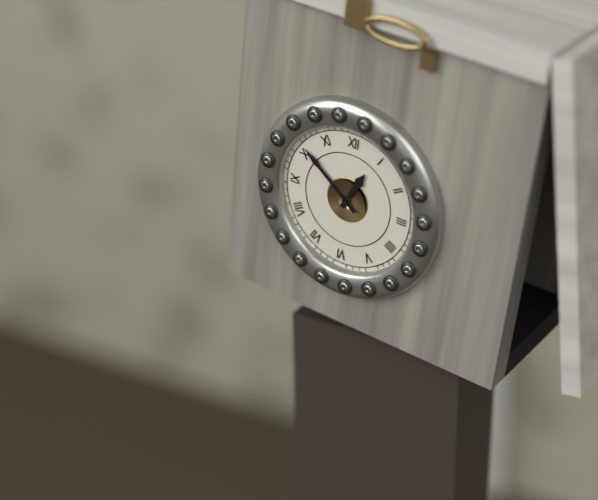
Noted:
12:51
